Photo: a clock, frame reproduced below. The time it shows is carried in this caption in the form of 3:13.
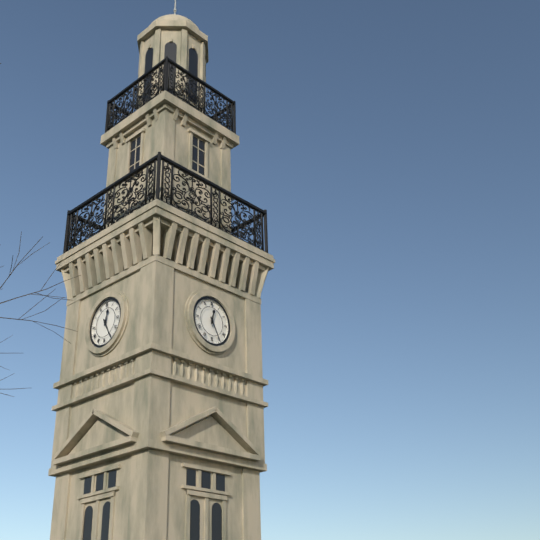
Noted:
12:25
